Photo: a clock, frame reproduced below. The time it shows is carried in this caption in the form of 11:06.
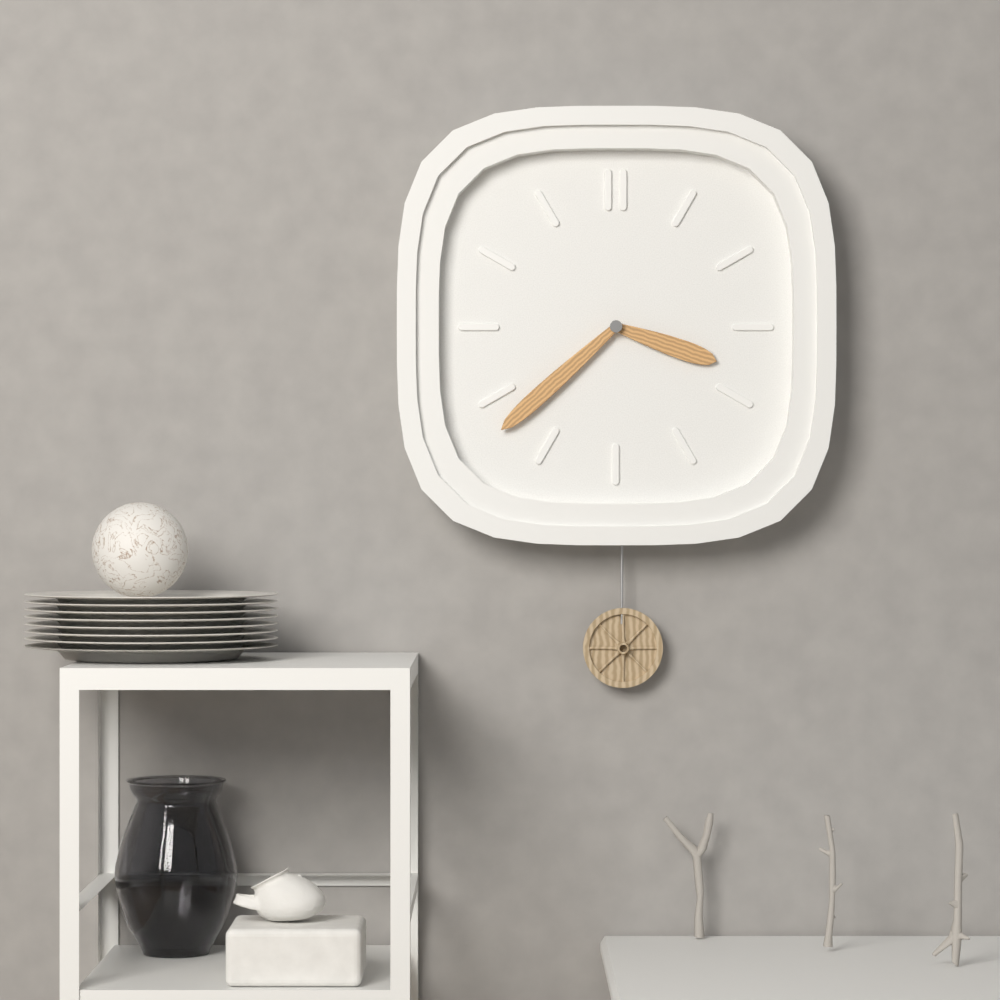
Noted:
3:38
